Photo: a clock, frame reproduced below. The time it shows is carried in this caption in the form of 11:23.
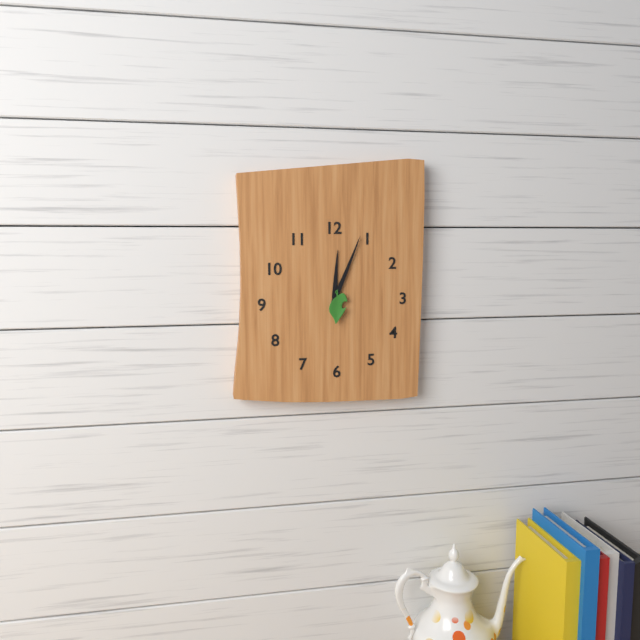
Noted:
12:04
